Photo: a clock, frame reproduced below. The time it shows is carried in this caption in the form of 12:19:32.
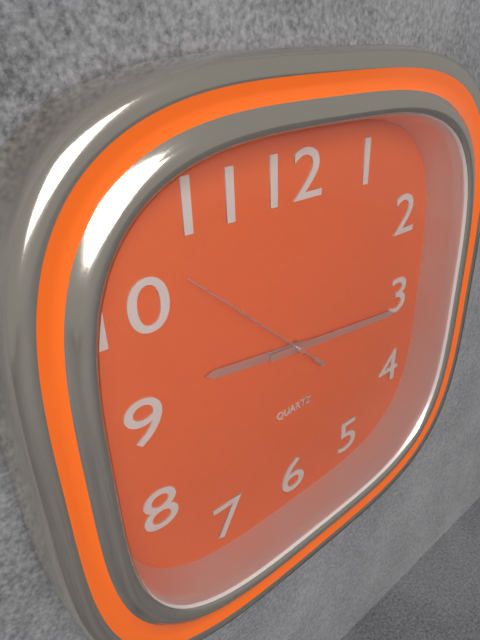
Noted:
9:16:52
